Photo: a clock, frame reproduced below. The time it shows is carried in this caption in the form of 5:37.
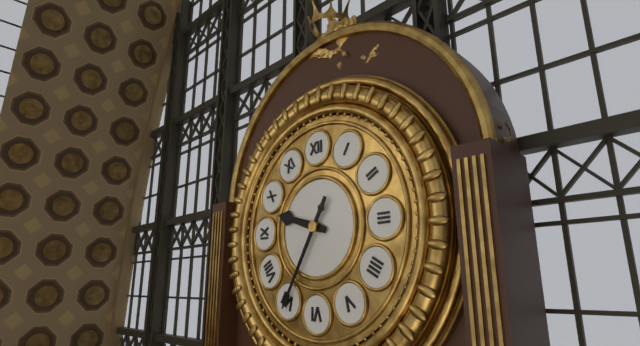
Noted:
9:35
